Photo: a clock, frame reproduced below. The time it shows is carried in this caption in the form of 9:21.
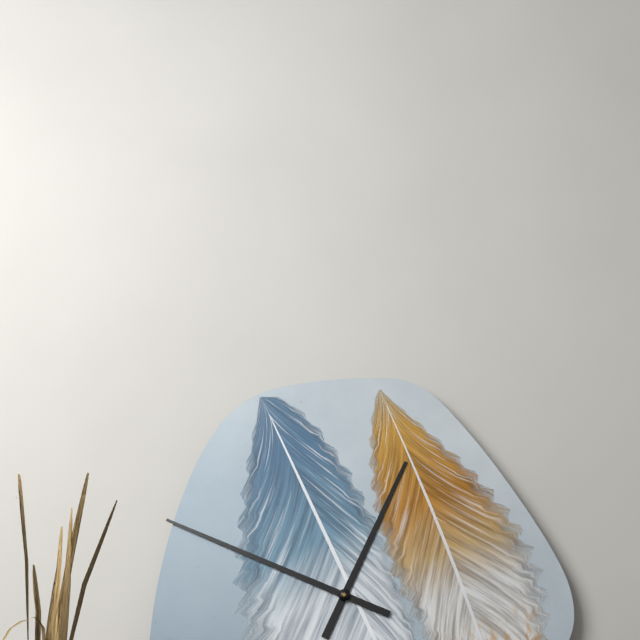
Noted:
12:49
